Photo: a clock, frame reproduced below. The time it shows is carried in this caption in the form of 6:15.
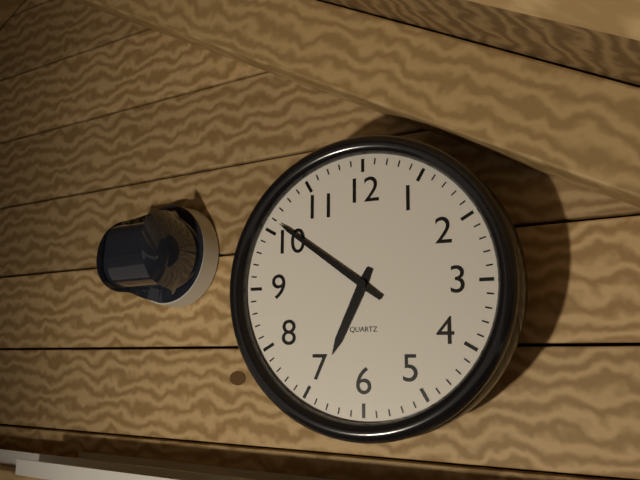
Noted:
6:51
